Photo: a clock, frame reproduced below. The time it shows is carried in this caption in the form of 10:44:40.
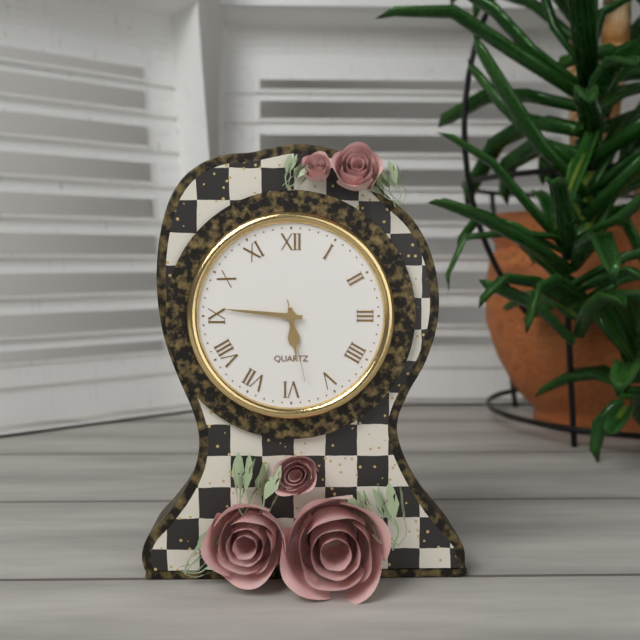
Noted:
5:46:28
